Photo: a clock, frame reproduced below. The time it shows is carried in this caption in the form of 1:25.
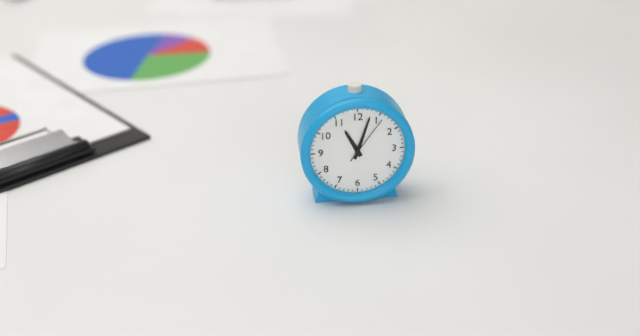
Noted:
11:03
